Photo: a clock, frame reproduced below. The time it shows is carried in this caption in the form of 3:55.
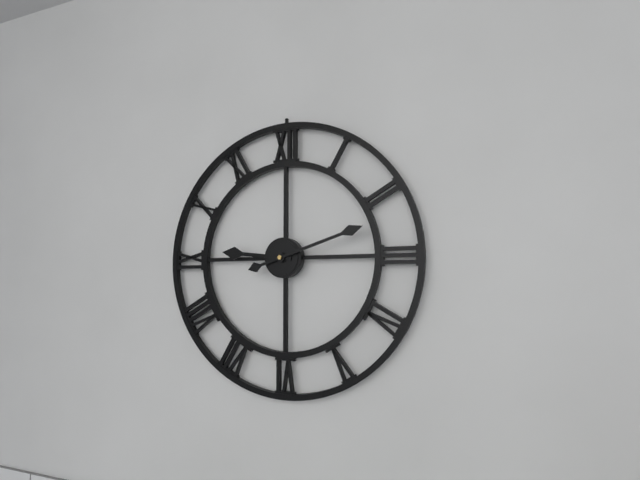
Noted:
9:12
